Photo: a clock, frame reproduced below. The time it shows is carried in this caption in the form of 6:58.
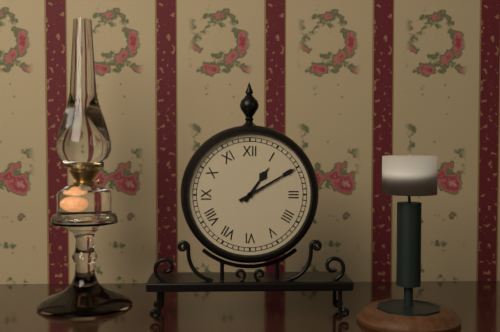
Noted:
1:10
